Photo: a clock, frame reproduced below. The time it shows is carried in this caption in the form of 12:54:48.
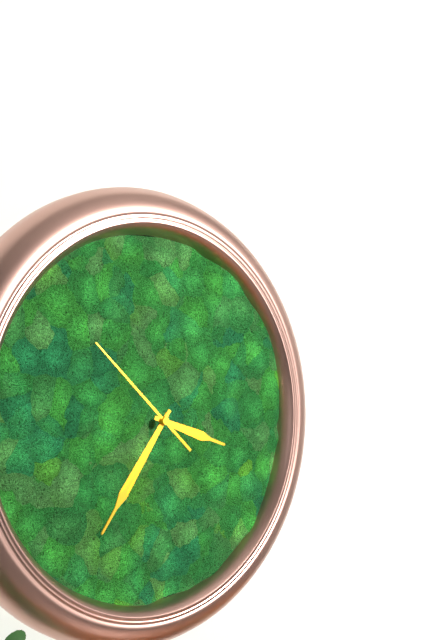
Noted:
3:36:52
